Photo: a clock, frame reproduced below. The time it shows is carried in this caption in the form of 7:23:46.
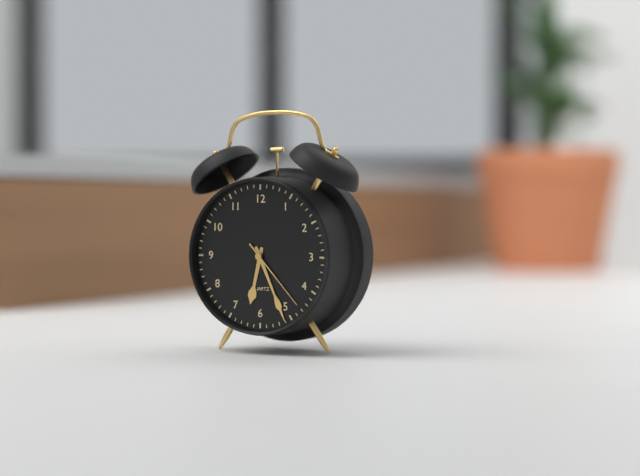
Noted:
6:26:23
